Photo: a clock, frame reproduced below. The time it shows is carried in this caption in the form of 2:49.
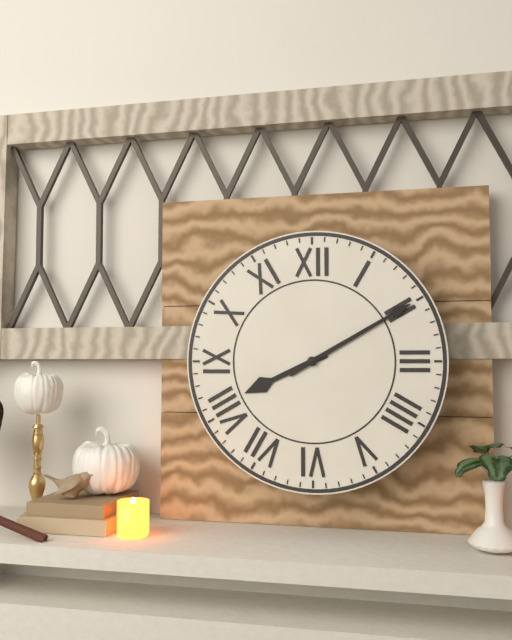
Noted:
8:10
